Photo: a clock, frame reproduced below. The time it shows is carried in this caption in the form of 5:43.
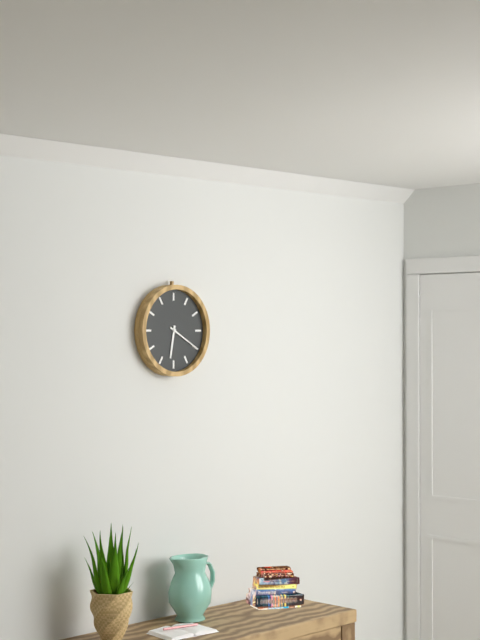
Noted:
6:20
